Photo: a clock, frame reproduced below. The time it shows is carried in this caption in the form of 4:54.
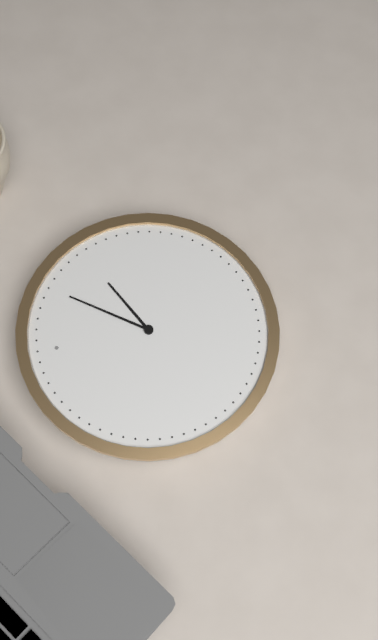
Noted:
2:06
